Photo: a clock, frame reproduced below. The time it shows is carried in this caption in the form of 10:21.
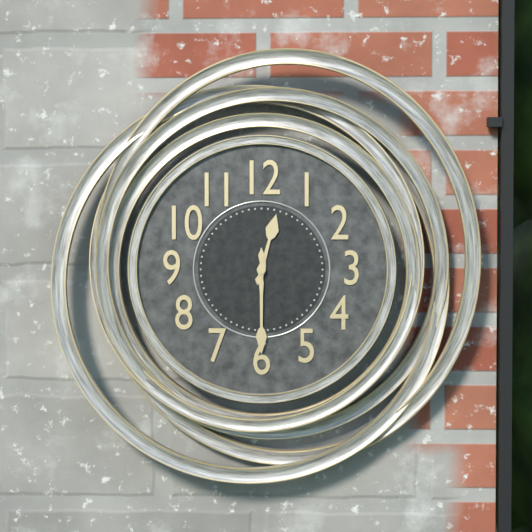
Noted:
12:30
